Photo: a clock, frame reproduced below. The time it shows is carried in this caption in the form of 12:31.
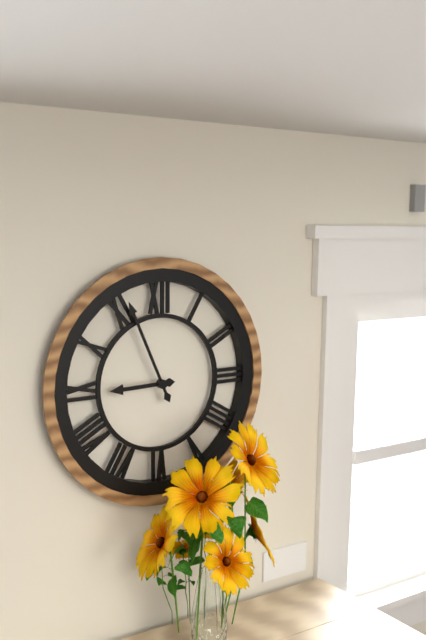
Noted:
8:56
